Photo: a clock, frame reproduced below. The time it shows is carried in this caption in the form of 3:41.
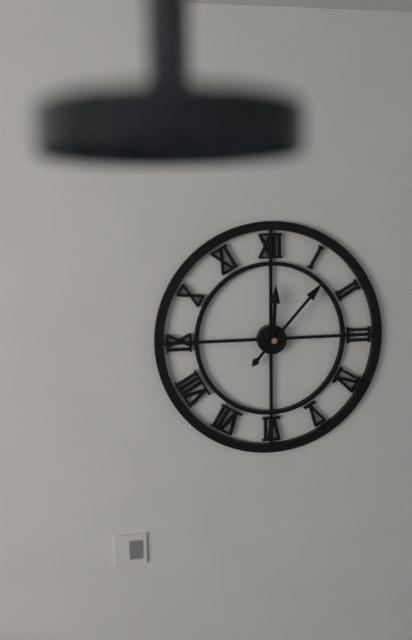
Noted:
12:07
